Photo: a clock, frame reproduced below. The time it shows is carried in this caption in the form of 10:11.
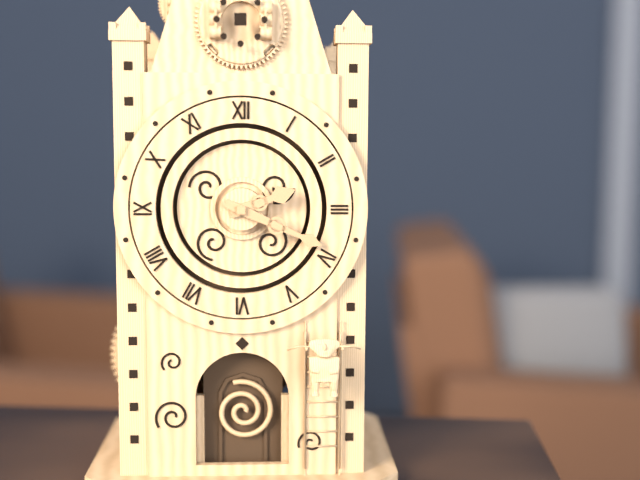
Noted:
2:19
